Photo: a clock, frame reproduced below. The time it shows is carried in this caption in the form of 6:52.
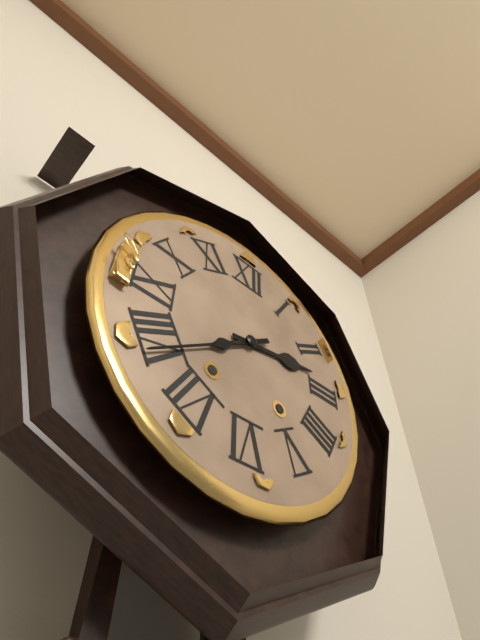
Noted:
2:39
